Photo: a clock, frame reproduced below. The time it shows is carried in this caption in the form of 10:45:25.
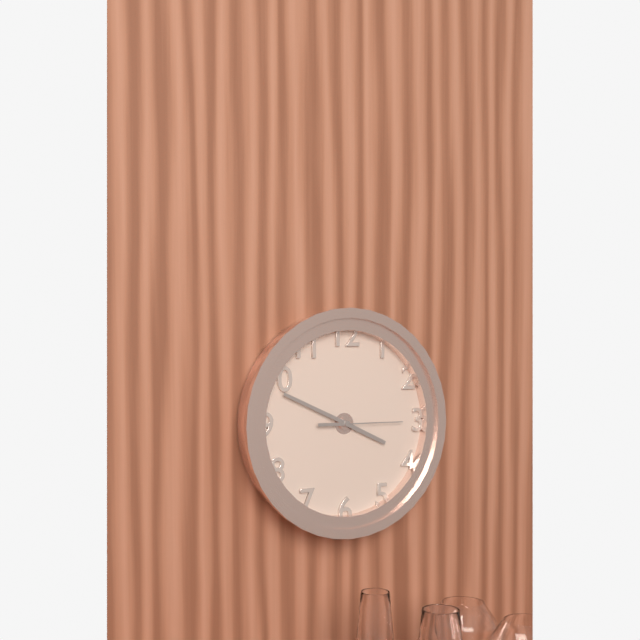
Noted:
3:49:15
